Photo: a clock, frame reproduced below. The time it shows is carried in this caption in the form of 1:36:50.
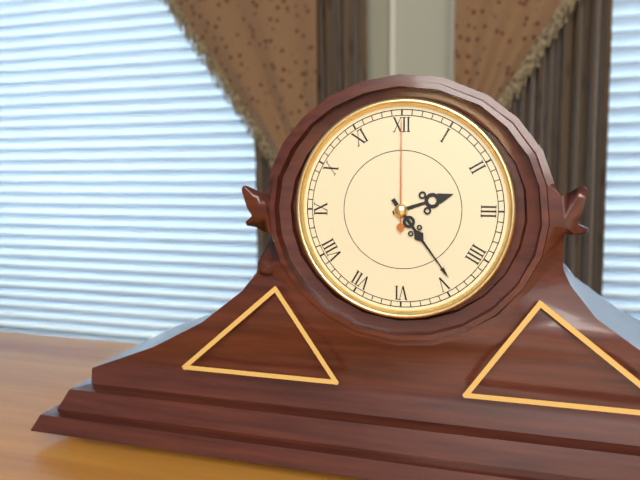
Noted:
2:24:00
